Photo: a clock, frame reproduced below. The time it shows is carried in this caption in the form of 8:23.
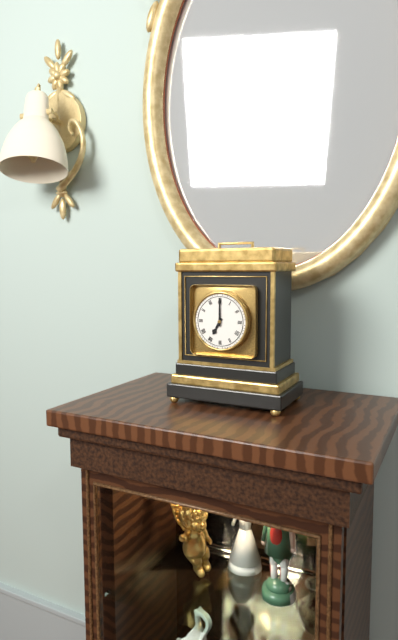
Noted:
7:00
